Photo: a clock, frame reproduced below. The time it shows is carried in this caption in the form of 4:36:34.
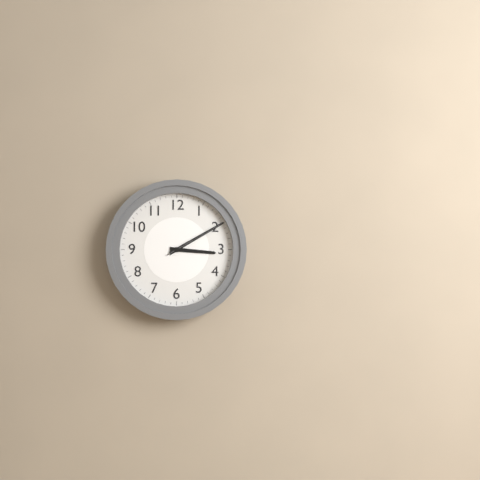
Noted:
3:10:10
